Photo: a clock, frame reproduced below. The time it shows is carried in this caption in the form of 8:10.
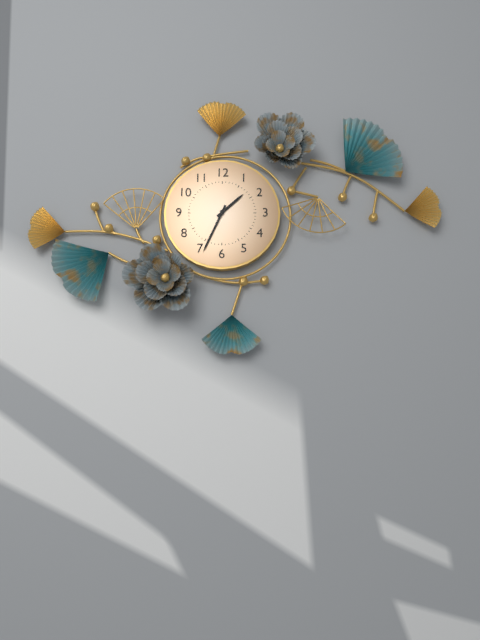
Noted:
1:34
